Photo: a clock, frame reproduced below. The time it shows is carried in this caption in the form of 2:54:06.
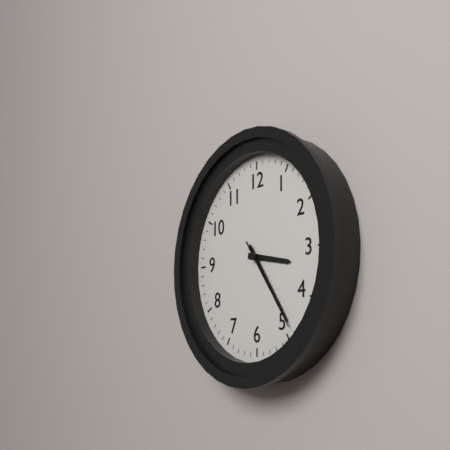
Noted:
3:24:24
